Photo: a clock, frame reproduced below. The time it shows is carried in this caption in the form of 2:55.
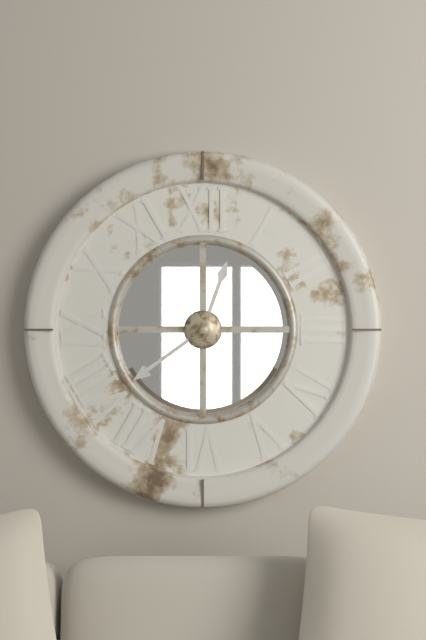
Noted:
12:39
